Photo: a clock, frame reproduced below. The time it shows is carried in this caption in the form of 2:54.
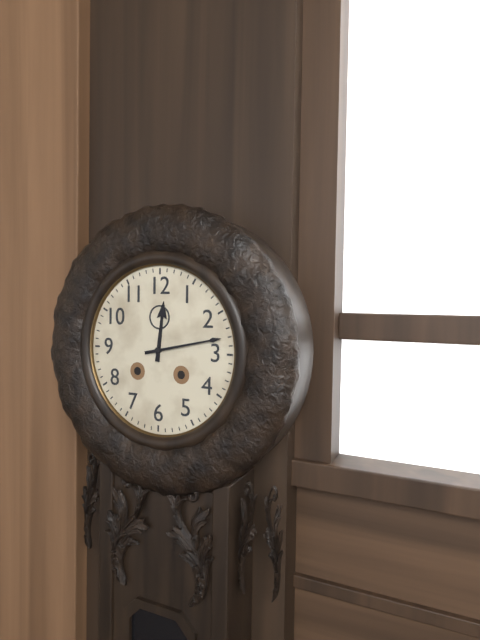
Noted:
12:13
